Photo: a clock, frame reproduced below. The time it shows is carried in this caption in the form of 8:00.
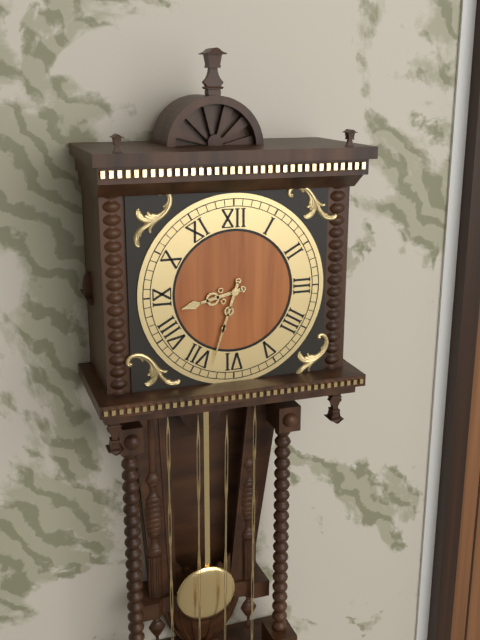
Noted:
8:33
